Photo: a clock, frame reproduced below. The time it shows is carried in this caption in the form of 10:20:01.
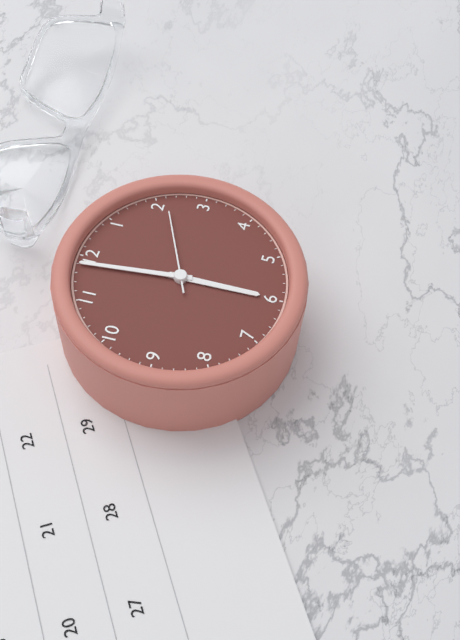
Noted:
5:59:11
